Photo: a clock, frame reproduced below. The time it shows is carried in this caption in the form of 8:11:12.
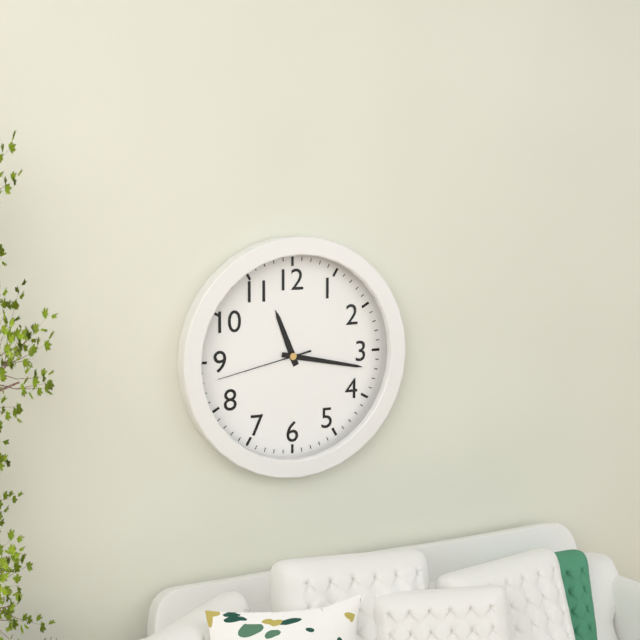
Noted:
11:17:43
